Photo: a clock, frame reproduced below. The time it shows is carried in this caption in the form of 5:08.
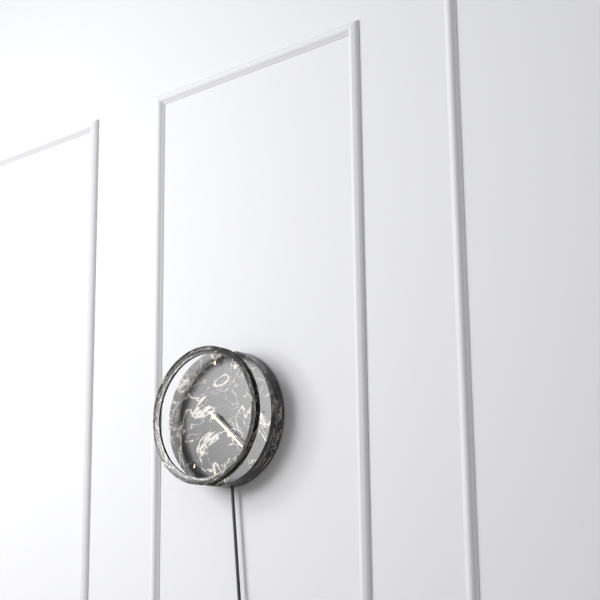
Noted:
4:22
